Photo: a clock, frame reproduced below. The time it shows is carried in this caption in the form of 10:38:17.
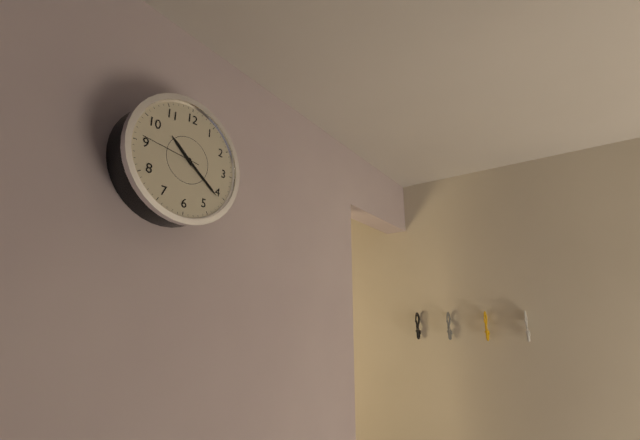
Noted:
10:21:46
